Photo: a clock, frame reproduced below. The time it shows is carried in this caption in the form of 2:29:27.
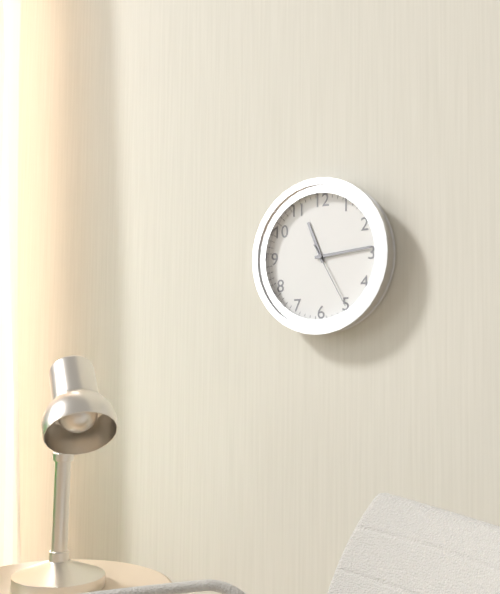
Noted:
11:14:25
